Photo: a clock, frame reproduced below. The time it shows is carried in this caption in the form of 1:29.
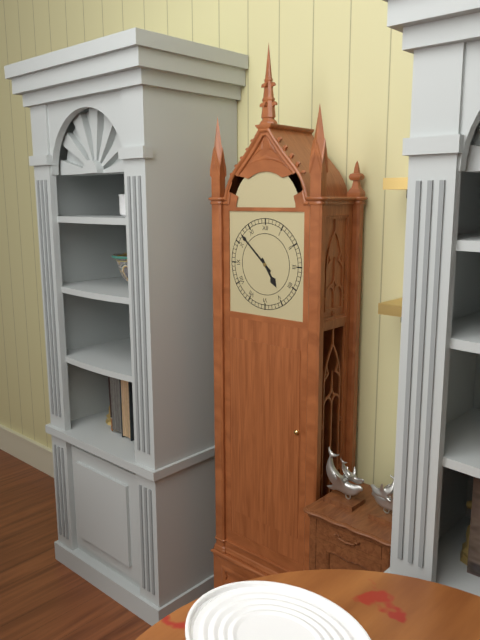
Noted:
4:52
